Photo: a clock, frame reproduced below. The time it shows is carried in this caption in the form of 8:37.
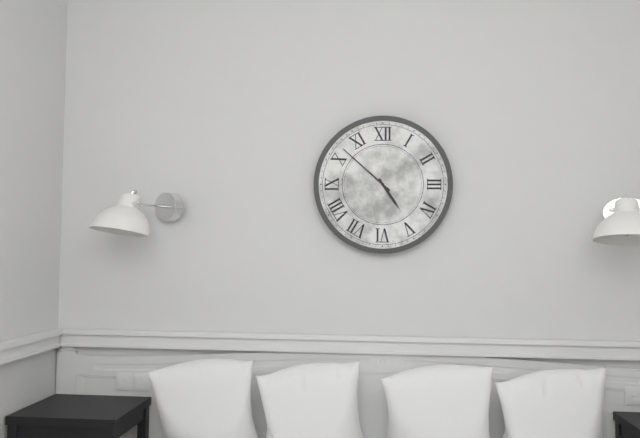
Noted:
4:52
